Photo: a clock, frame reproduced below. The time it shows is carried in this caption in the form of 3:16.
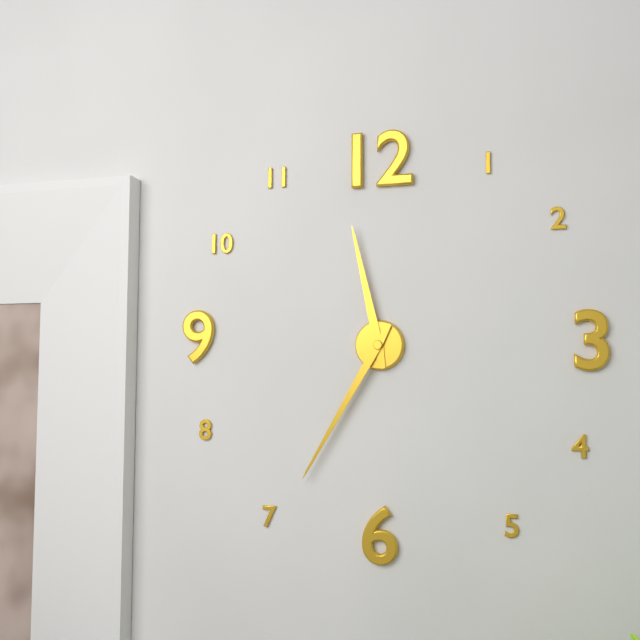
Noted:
11:35
